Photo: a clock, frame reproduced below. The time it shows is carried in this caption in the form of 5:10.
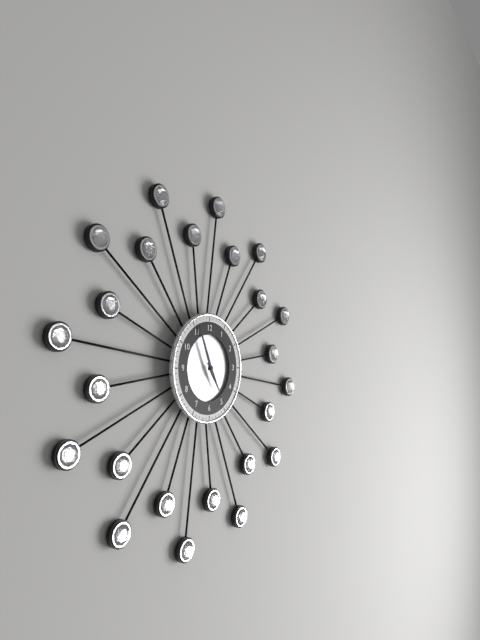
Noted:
4:56
